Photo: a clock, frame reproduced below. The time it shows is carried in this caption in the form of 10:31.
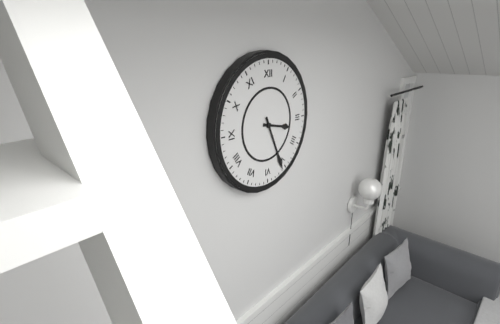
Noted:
3:26
